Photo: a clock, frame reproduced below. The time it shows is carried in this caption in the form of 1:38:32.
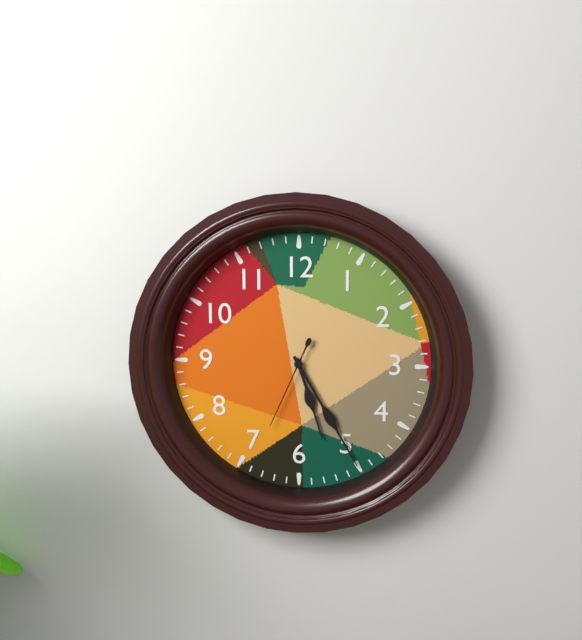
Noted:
5:25:34
